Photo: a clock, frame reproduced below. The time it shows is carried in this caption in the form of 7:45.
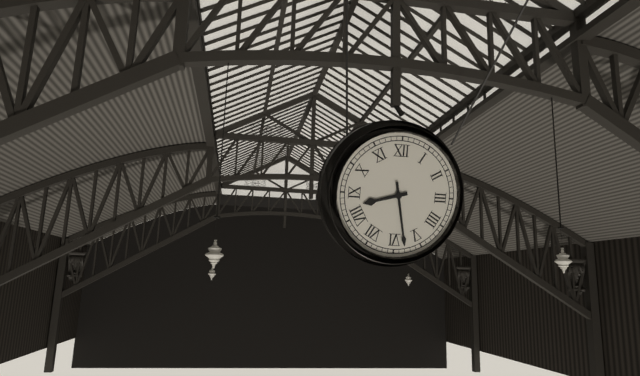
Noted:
8:28
